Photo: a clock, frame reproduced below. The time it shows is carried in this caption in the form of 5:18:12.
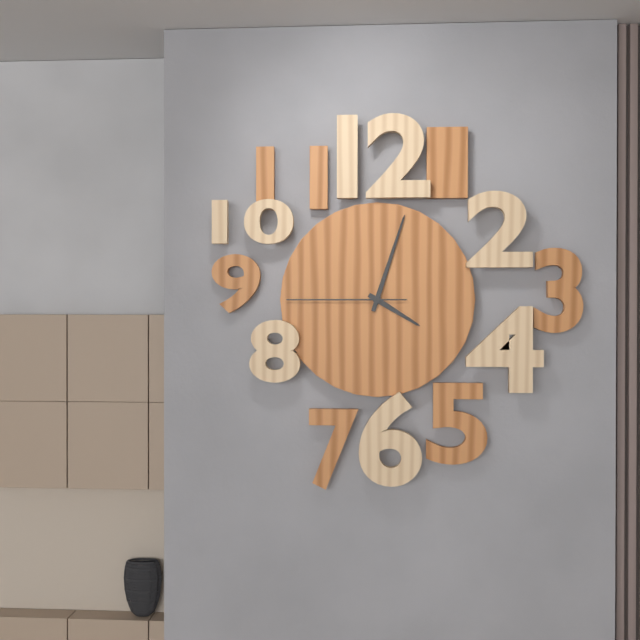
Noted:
4:03:45
